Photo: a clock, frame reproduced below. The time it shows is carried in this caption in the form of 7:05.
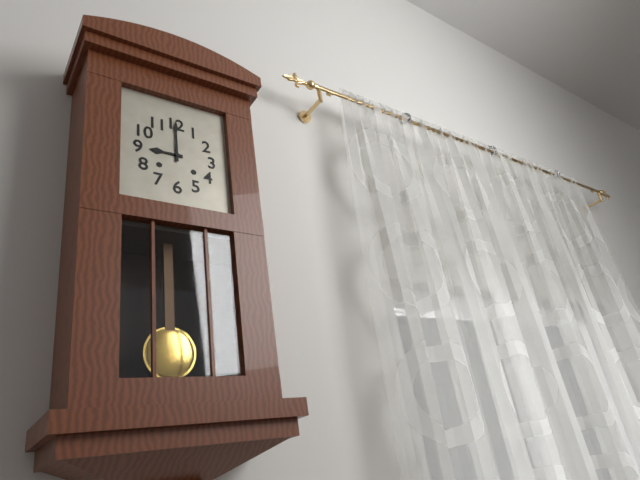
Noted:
9:00
